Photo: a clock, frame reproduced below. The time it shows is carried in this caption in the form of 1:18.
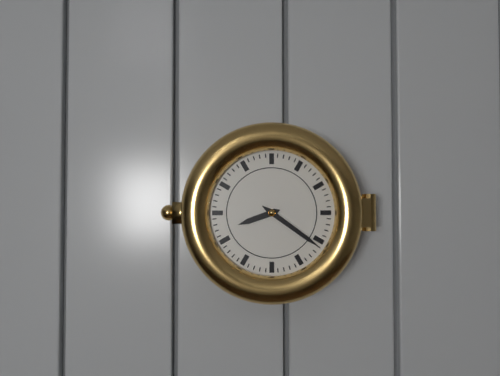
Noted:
8:21
